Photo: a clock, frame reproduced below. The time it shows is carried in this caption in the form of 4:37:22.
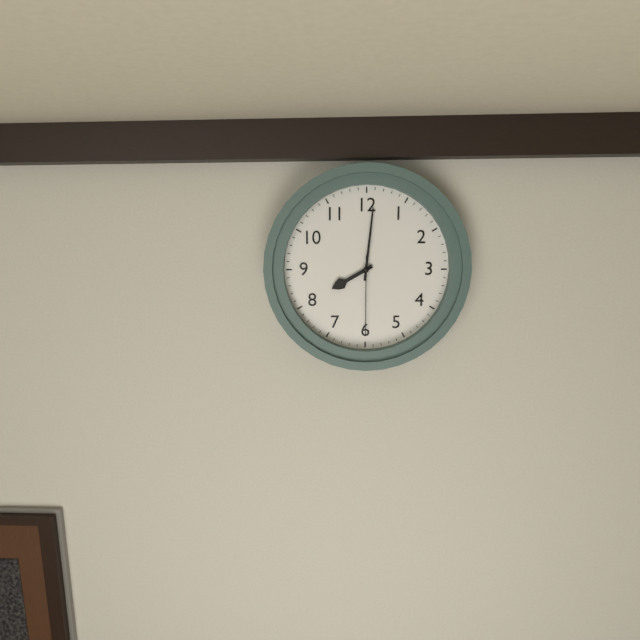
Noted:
8:01:30
